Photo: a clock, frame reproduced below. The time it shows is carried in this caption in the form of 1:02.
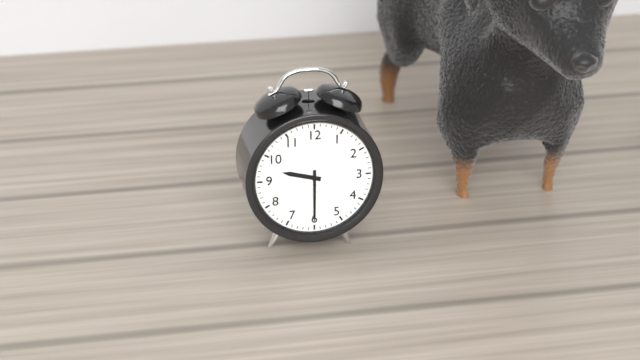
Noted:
9:30
